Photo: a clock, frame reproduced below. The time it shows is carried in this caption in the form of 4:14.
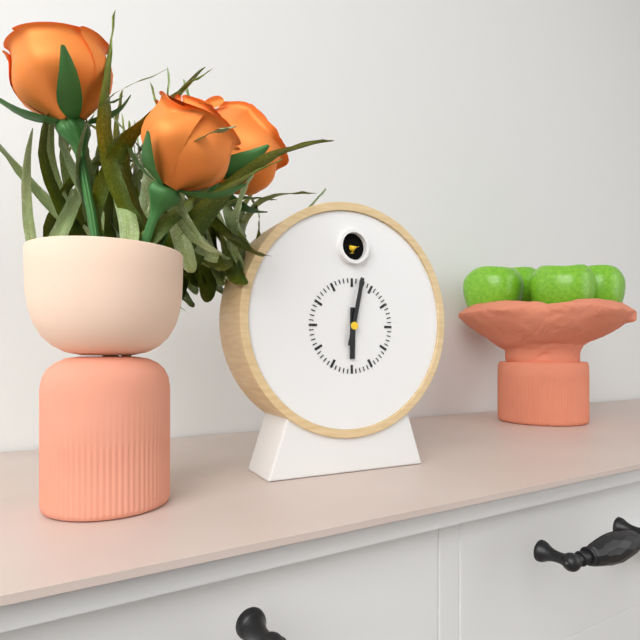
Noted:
6:02
